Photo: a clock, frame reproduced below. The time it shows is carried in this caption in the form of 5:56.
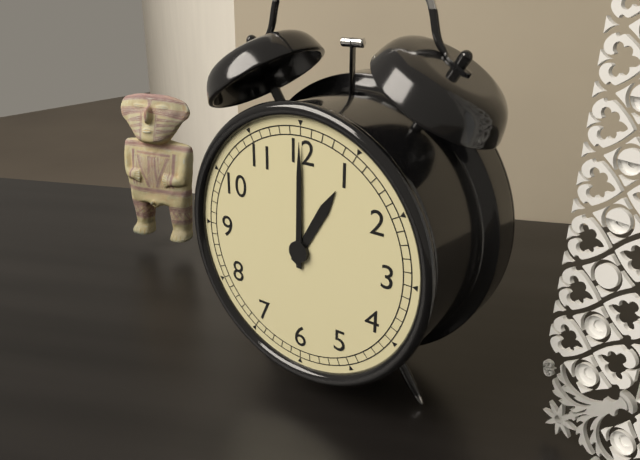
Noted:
1:00
